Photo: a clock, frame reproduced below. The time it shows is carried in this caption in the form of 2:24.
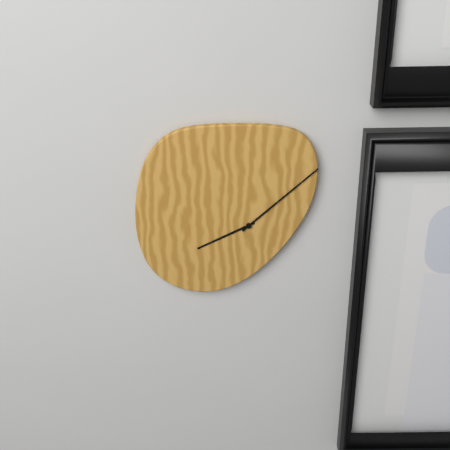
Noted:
8:08
